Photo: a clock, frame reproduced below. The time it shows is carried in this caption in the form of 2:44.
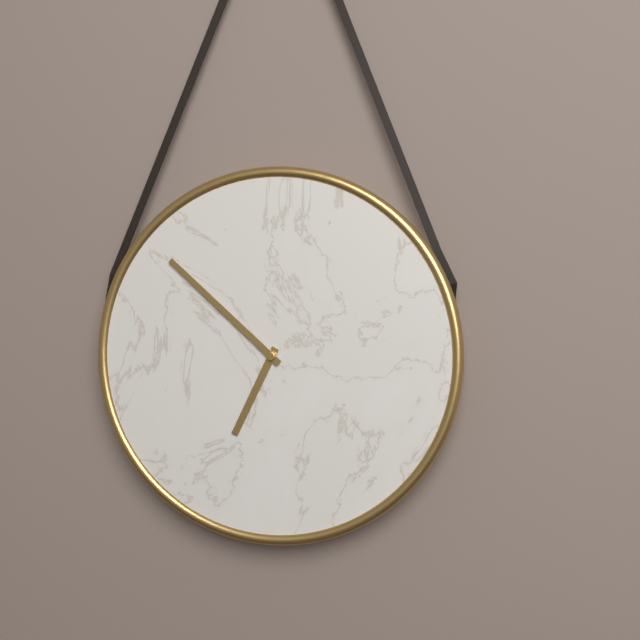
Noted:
6:52
